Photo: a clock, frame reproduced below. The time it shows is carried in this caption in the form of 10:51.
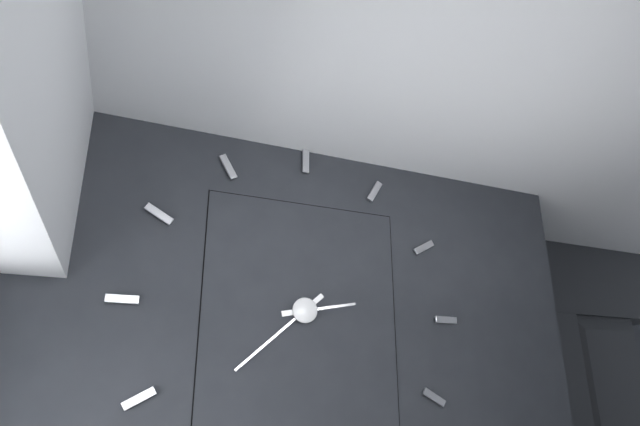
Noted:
2:38
